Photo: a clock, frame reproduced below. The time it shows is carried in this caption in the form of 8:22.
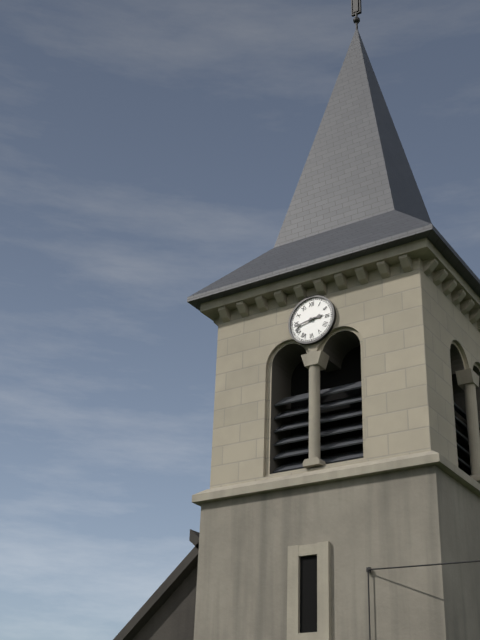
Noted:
2:43
